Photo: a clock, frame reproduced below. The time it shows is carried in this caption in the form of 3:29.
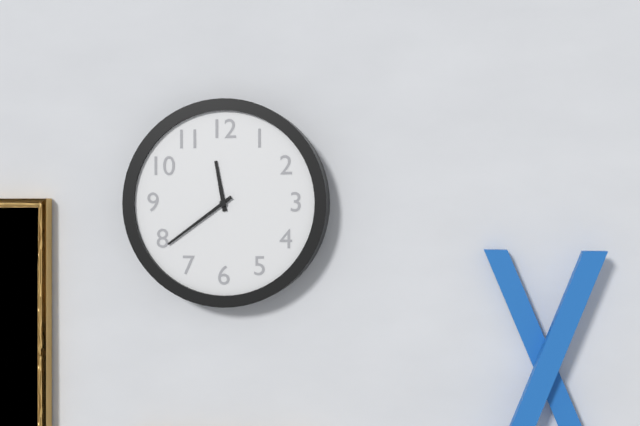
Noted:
11:39
